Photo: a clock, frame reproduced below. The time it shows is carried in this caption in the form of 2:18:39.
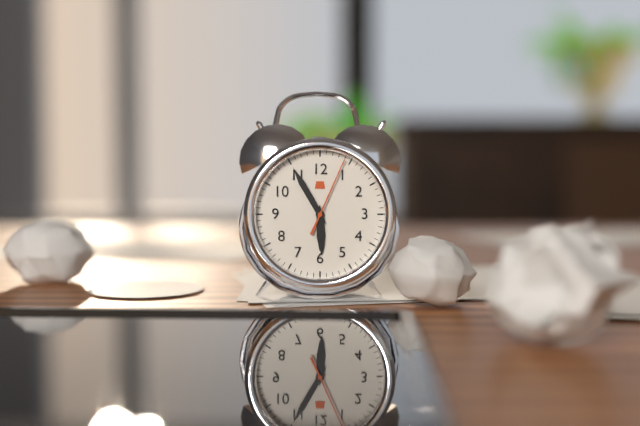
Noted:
5:55:04
